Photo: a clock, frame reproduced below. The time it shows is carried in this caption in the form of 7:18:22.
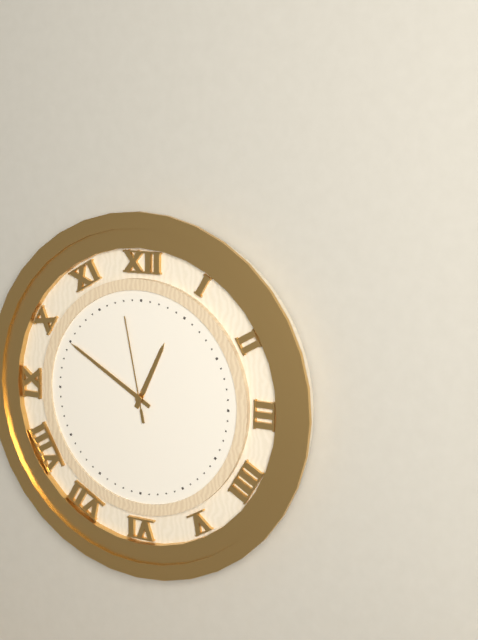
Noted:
12:50:58
